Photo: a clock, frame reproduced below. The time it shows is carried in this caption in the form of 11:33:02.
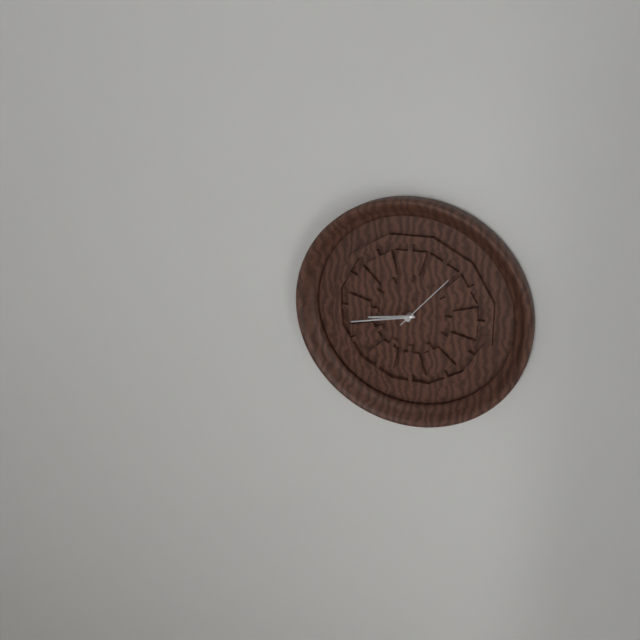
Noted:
8:43:07
